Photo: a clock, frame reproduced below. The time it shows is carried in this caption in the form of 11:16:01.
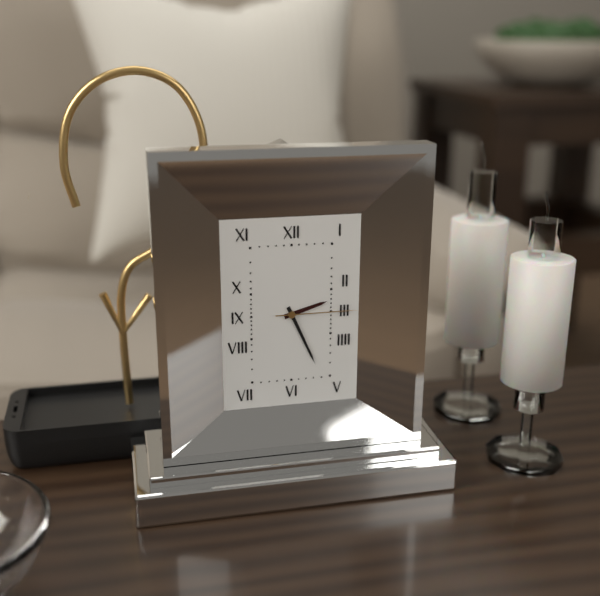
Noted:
2:26:15
